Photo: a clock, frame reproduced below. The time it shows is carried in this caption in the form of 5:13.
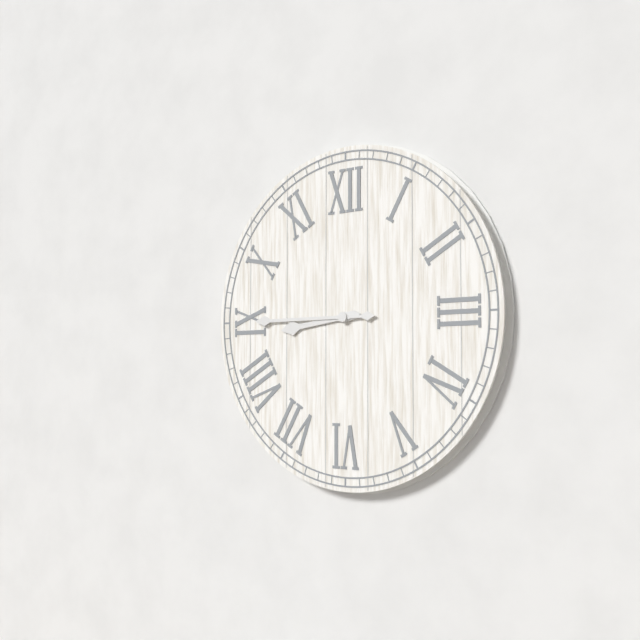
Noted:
8:45
